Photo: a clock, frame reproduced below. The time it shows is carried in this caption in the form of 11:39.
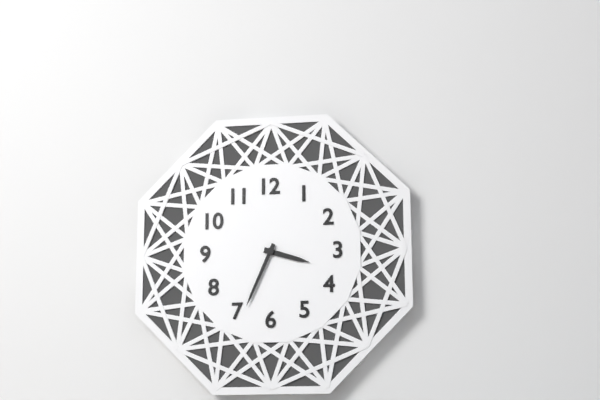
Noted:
3:34
